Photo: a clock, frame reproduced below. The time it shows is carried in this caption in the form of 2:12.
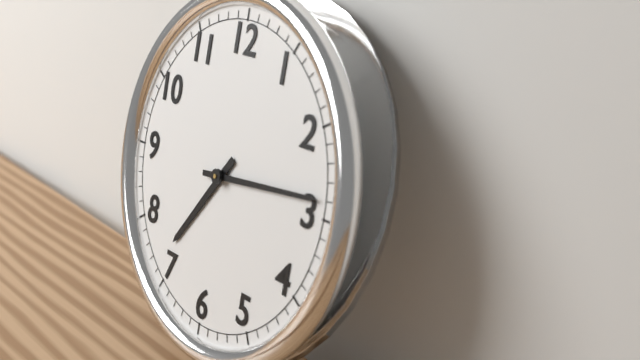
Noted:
7:14
